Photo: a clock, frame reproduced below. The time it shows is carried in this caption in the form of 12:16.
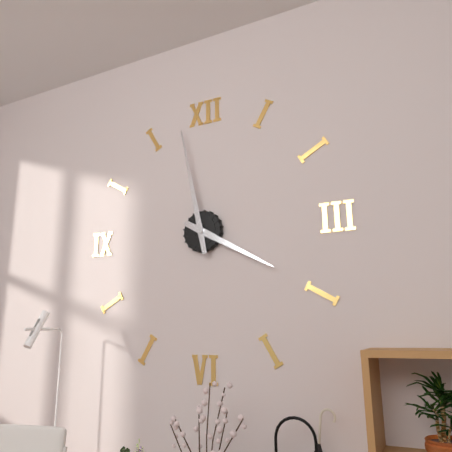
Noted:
3:58
